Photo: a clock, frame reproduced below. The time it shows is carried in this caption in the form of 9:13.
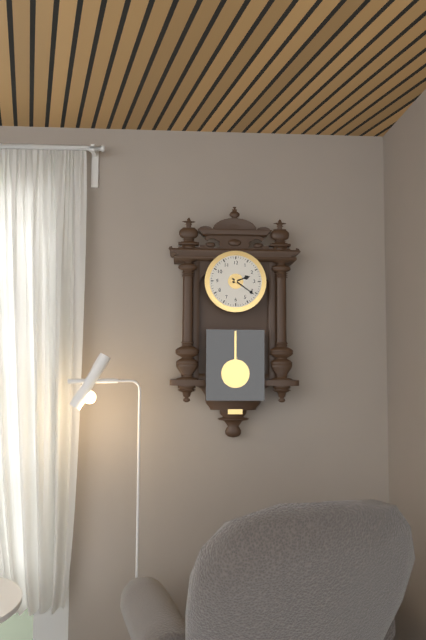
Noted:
2:21
